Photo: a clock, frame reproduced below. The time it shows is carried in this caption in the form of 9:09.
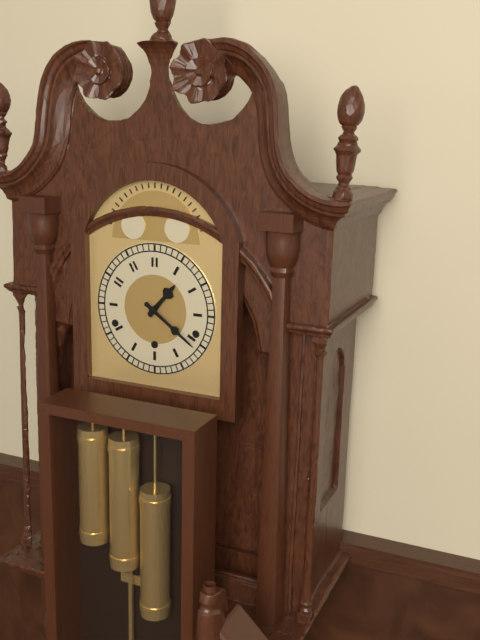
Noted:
1:21
